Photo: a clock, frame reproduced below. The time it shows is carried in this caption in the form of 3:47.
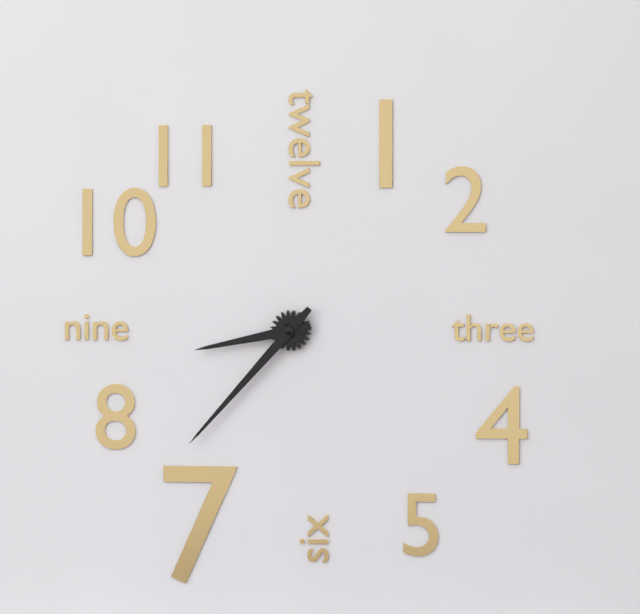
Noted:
8:37
